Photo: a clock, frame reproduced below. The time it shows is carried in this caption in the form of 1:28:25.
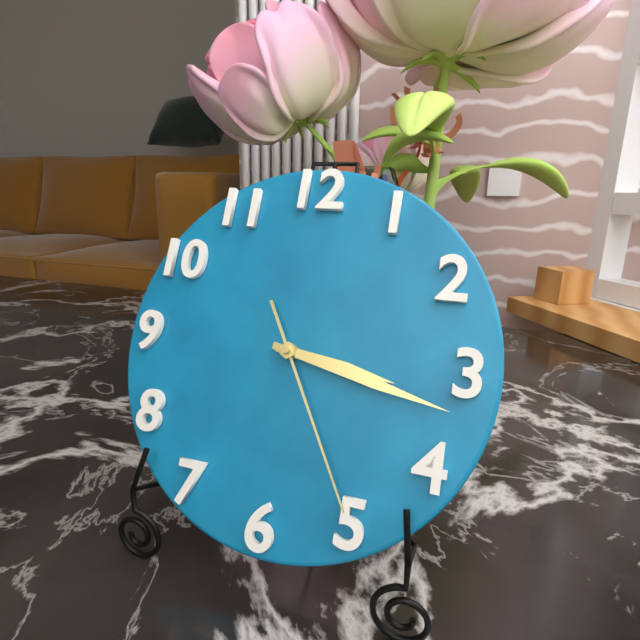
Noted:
3:17:25
